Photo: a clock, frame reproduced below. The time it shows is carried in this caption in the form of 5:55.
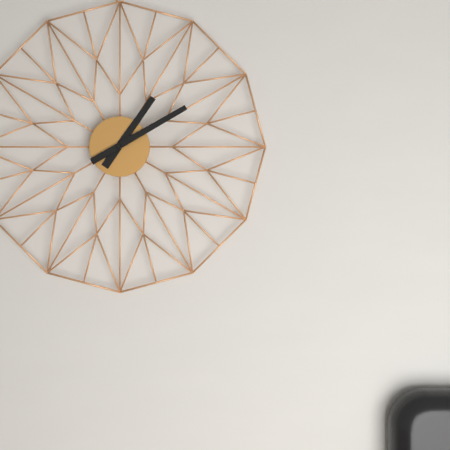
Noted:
1:10
